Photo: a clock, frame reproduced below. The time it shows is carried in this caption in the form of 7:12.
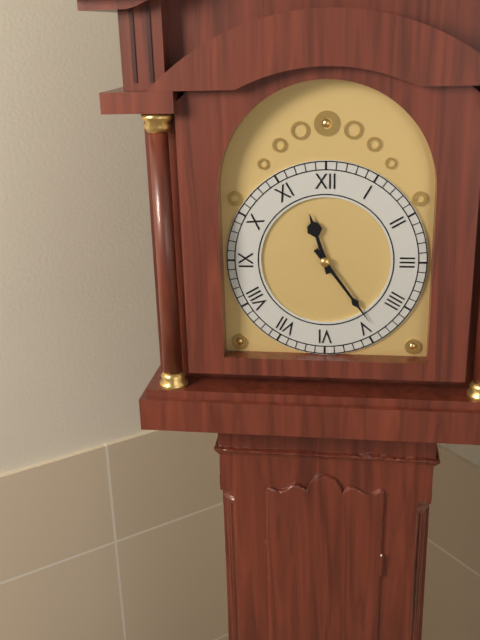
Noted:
11:24
